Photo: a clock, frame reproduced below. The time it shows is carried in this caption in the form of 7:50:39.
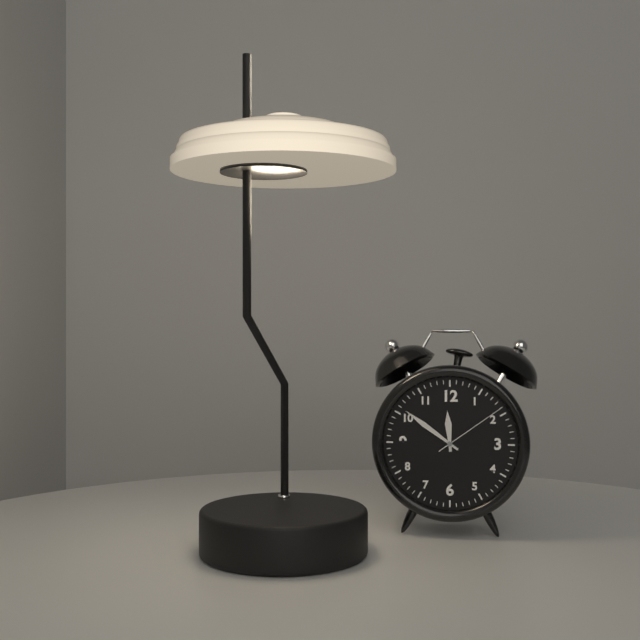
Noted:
11:51:09
